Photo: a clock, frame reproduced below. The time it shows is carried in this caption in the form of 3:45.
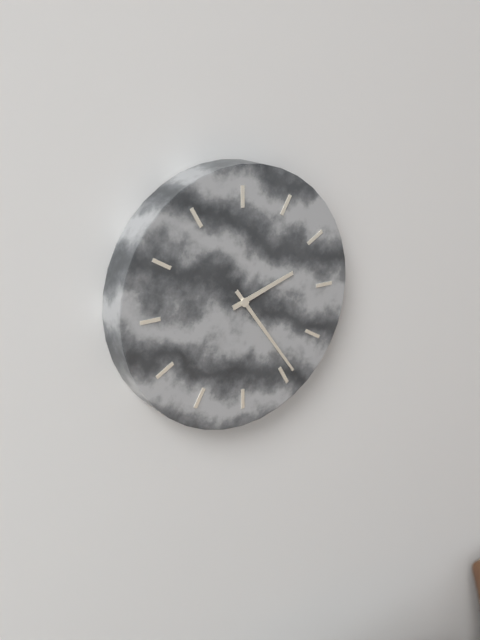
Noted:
2:24
